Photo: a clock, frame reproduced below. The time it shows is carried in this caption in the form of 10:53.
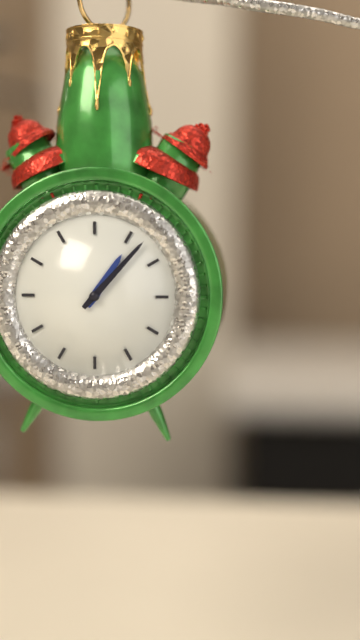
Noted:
1:07
